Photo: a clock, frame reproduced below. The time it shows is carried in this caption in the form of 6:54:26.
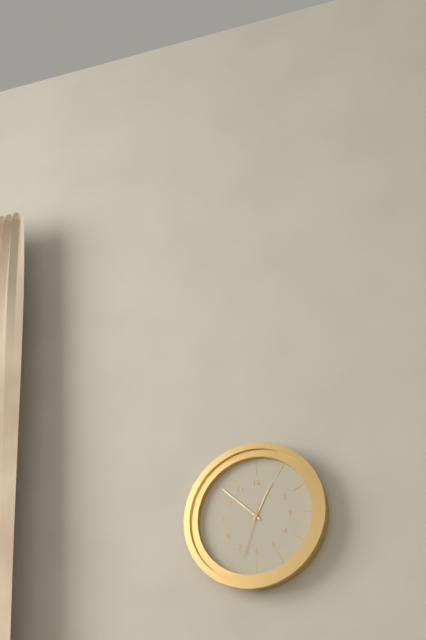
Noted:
12:52:33
